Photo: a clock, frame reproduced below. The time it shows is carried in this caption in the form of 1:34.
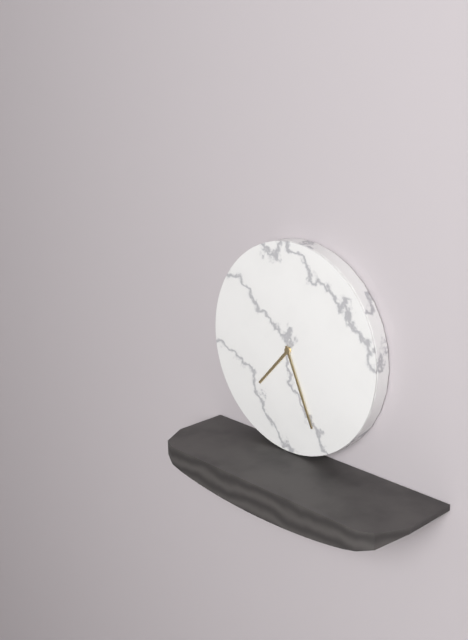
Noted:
7:26
